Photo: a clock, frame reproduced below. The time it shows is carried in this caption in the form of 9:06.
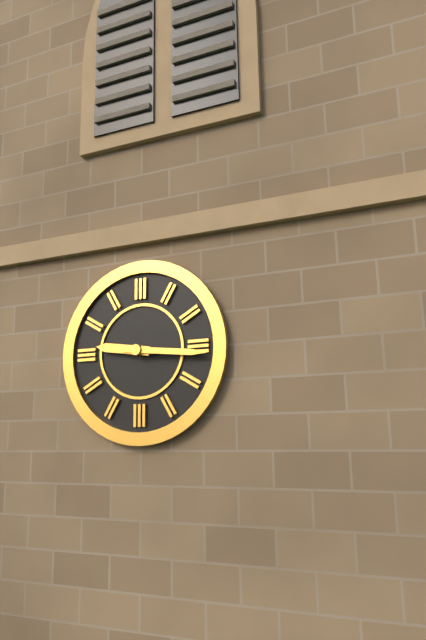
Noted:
9:16
